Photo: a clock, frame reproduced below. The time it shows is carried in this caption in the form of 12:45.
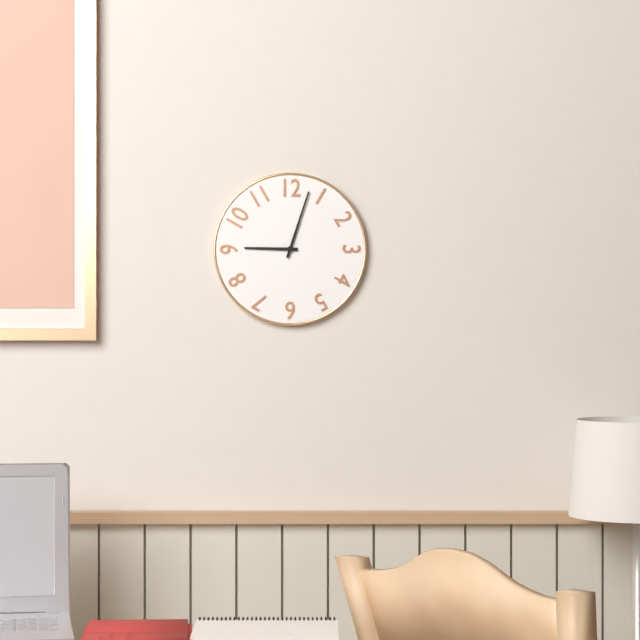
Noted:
9:03
